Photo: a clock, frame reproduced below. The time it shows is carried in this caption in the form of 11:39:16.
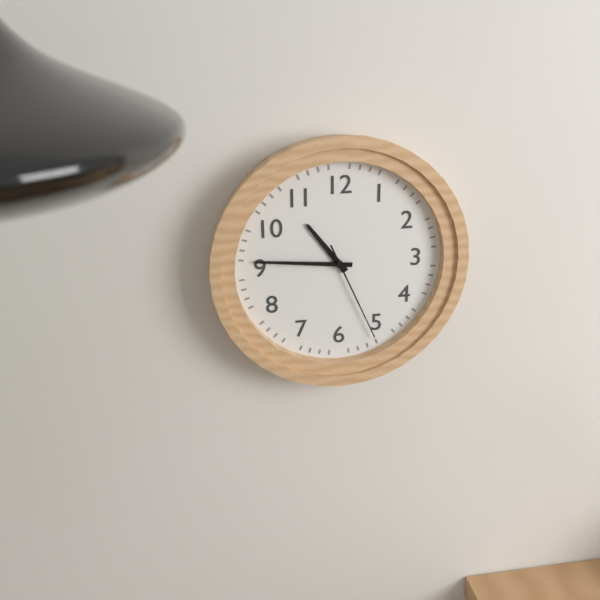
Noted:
10:46:26
